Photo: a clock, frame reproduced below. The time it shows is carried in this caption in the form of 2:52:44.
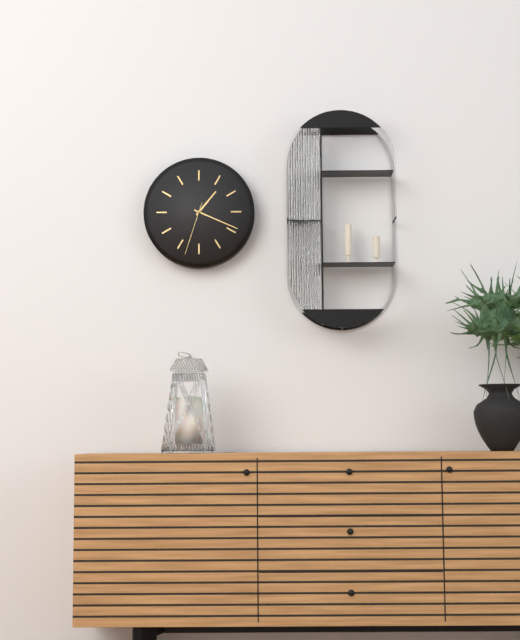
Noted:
1:19:33
